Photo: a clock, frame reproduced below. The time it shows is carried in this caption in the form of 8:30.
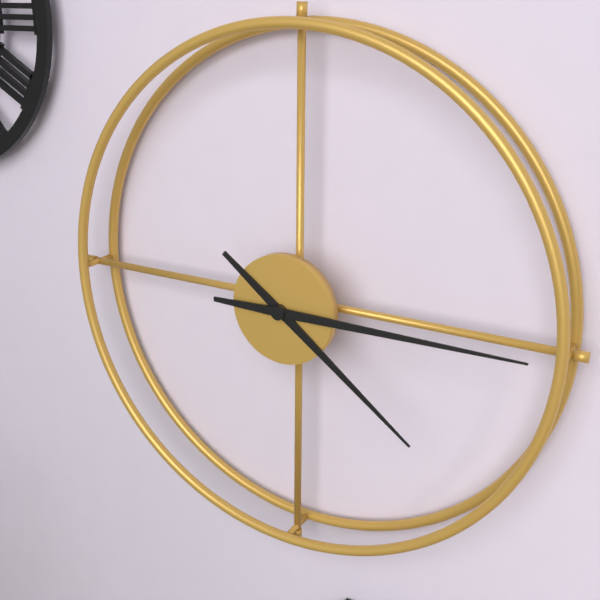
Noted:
4:15
